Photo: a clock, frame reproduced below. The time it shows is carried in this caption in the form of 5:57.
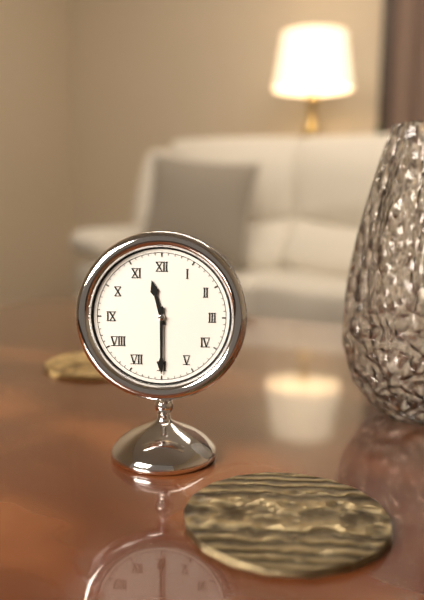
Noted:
11:30
